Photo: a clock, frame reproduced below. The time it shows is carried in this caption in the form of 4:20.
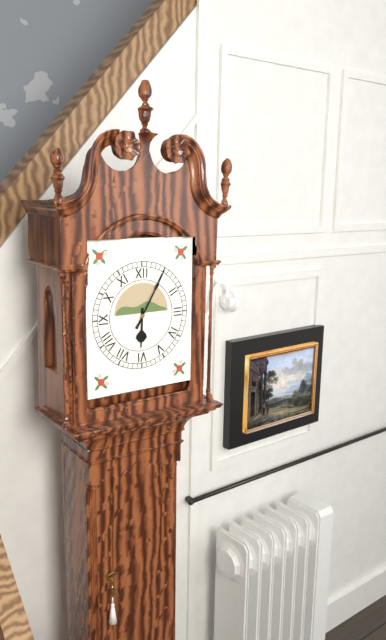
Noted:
6:05
